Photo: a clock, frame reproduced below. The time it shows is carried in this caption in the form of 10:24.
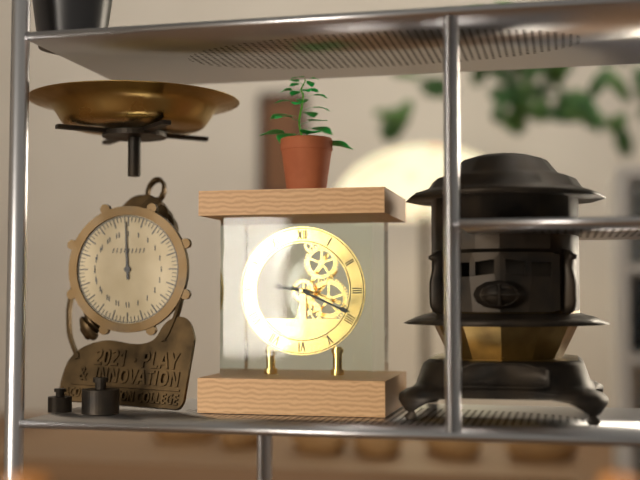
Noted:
9:19
